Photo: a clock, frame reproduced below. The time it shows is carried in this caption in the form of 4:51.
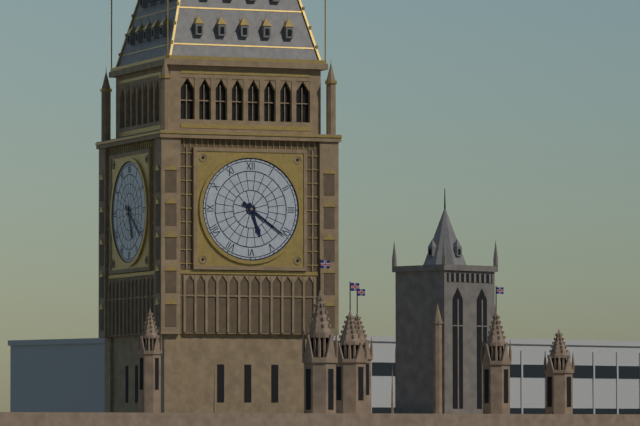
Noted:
5:21
